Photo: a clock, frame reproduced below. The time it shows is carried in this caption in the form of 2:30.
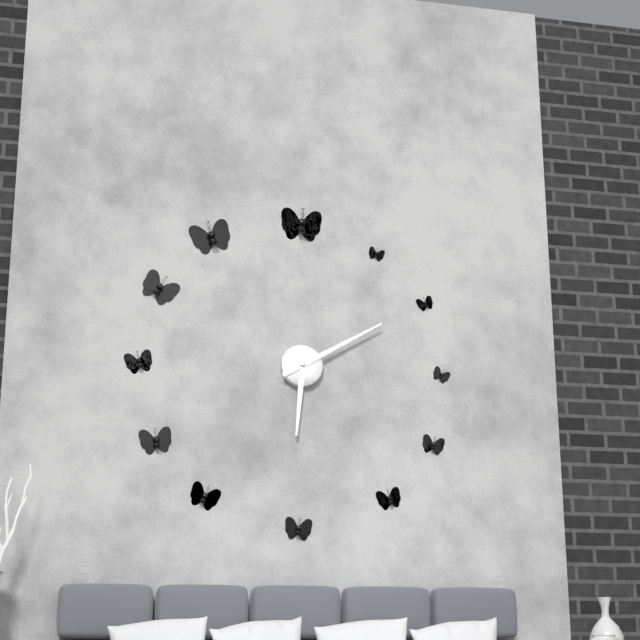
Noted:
6:10
